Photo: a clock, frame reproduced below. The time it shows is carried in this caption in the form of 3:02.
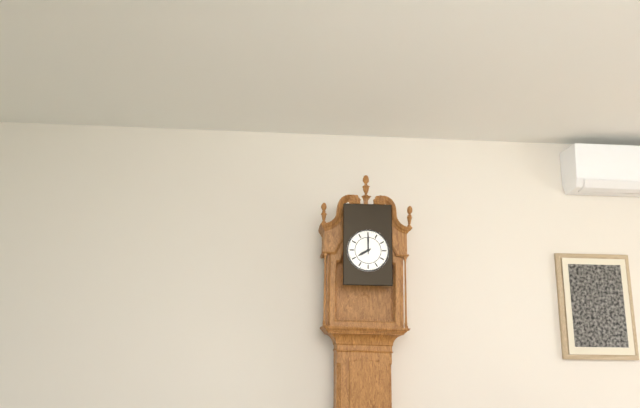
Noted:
8:00
